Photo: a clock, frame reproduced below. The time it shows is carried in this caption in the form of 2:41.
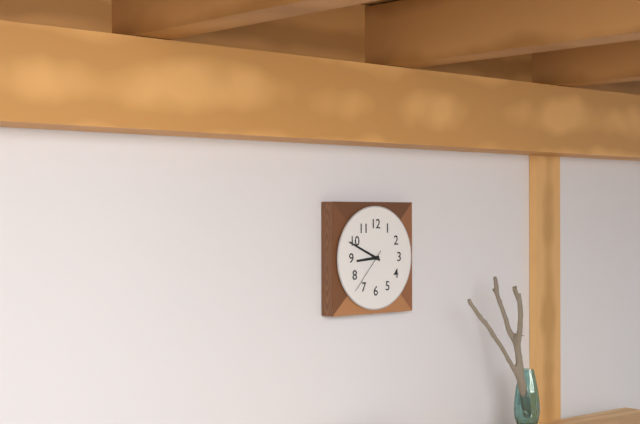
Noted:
8:49
